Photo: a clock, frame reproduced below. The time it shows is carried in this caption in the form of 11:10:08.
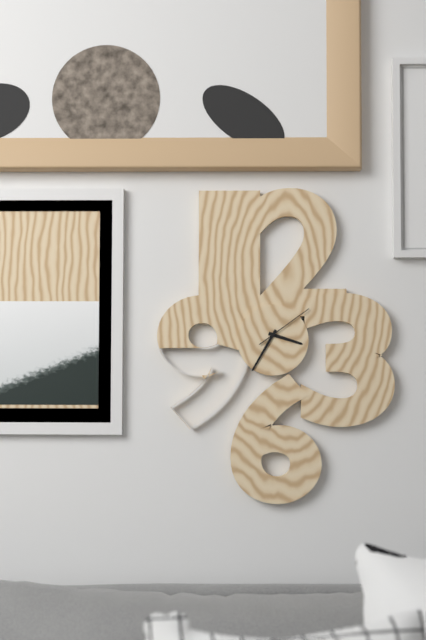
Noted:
3:35:09
